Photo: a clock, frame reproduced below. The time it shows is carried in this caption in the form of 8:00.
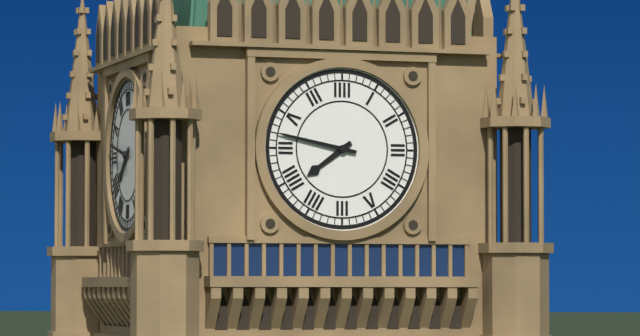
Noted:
7:47
